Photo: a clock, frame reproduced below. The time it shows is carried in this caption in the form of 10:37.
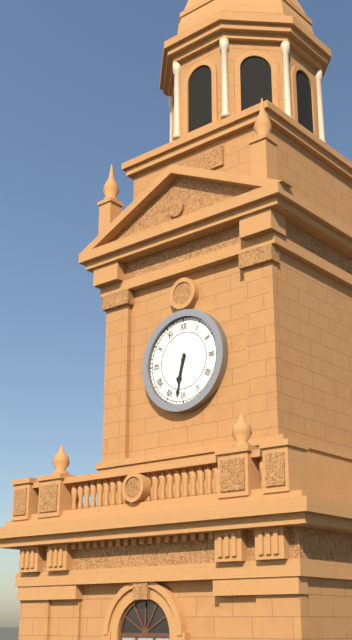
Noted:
6:32
